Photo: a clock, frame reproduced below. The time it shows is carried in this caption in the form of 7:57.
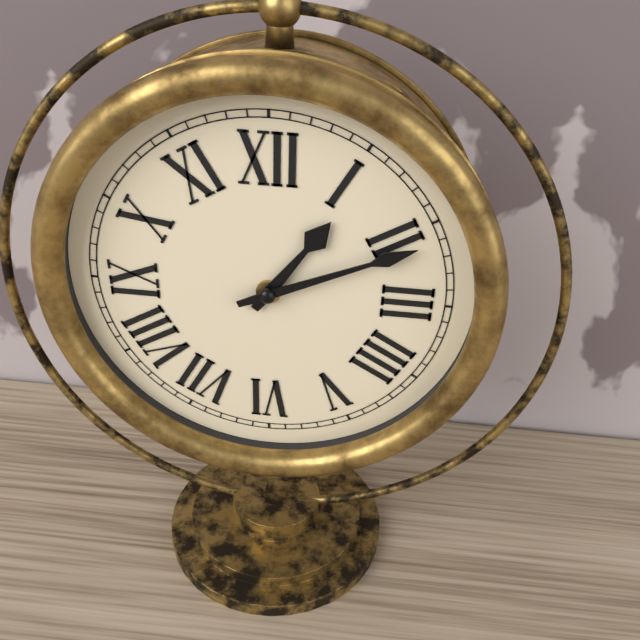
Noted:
1:11
